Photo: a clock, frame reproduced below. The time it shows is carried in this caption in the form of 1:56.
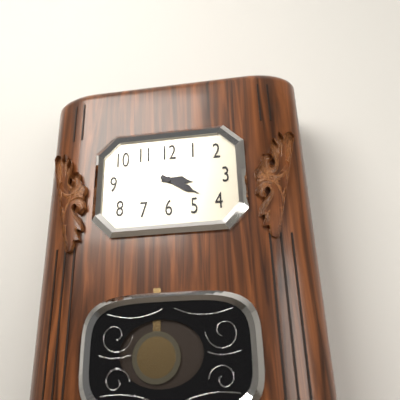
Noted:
3:20
